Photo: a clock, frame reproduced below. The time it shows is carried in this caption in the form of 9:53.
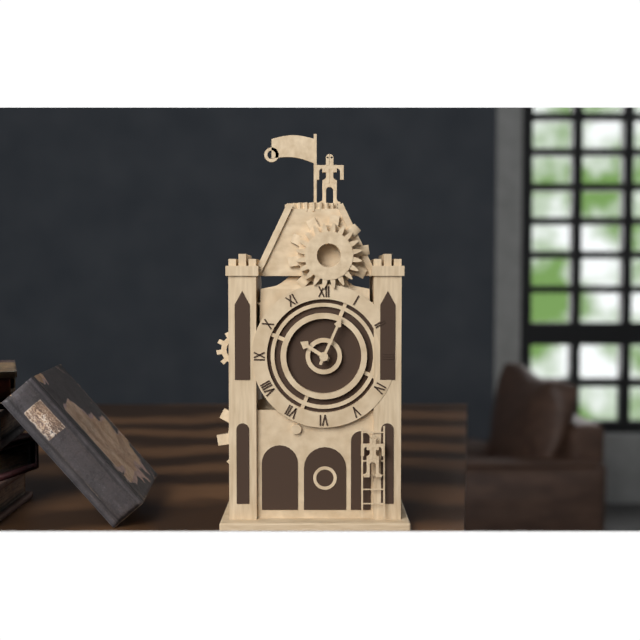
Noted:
10:04
